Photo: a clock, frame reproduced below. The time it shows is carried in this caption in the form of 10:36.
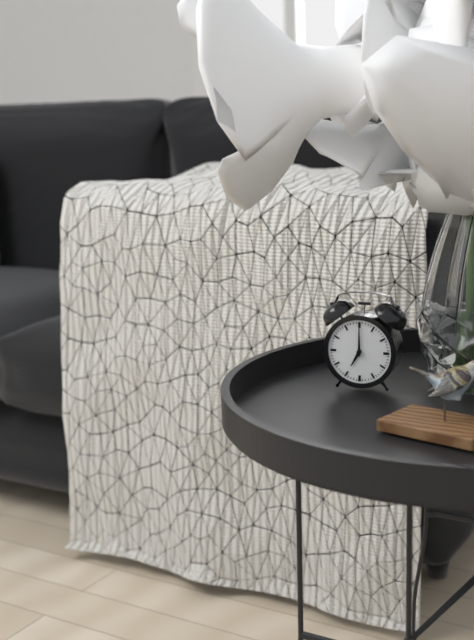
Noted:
7:00
